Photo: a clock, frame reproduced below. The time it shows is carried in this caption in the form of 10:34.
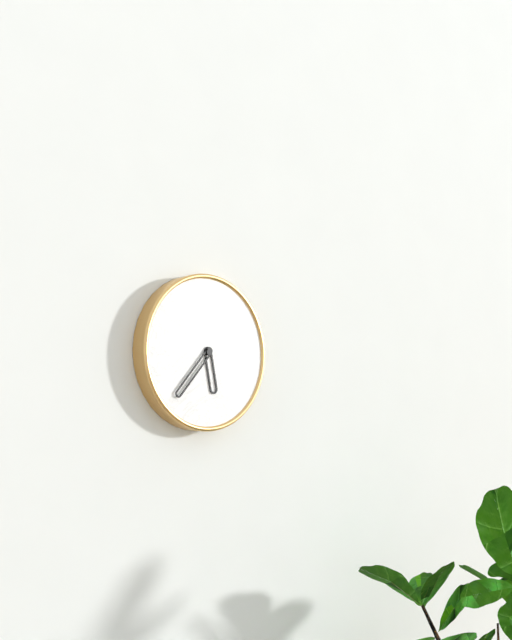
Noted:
5:37
